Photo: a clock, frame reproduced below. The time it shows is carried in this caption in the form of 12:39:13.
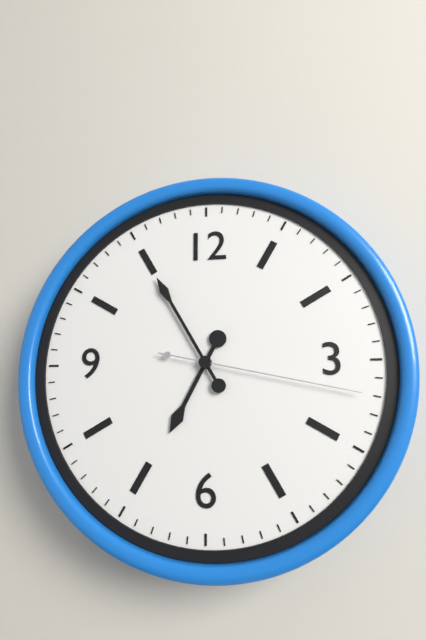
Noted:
6:55:17
